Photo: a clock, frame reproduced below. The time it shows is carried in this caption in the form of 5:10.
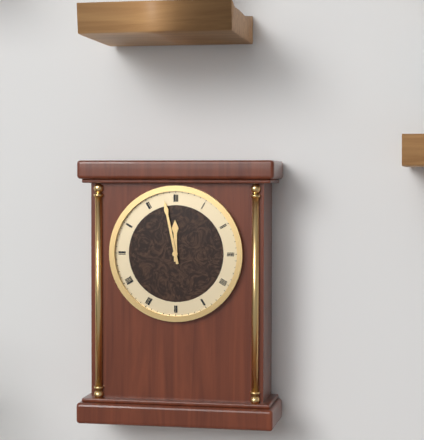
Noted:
11:58
